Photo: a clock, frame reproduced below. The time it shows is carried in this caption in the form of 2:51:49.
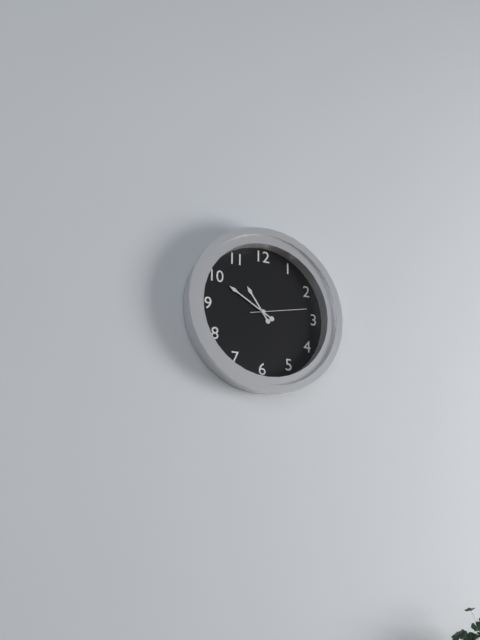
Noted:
10:50:13
